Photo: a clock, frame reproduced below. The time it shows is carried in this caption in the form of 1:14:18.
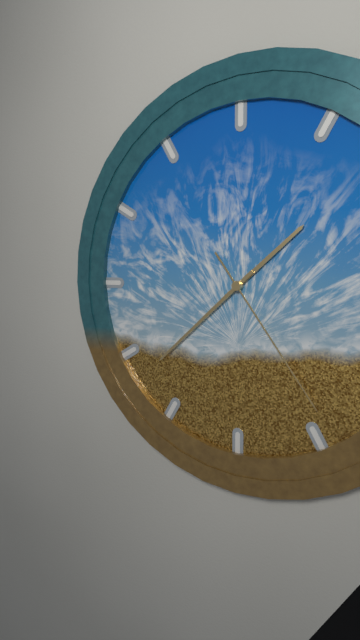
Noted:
1:38:24
